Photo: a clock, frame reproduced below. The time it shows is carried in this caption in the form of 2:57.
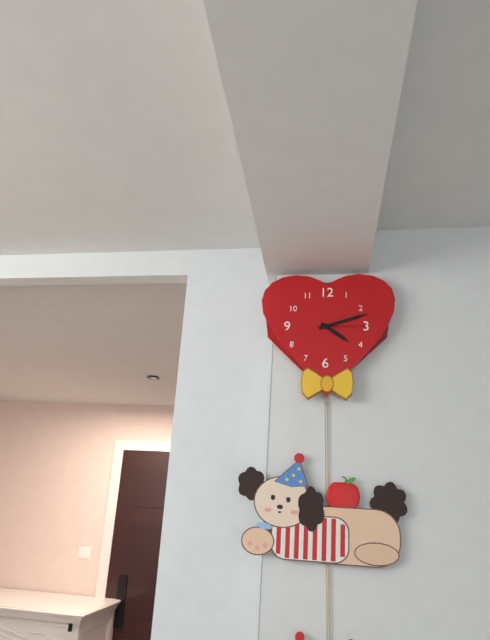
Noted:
4:12
